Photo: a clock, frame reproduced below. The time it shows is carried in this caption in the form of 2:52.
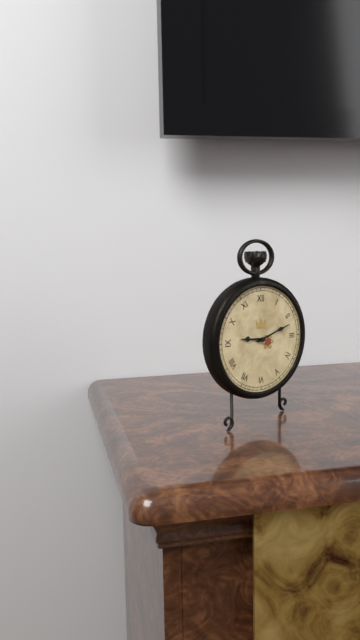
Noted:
9:12
